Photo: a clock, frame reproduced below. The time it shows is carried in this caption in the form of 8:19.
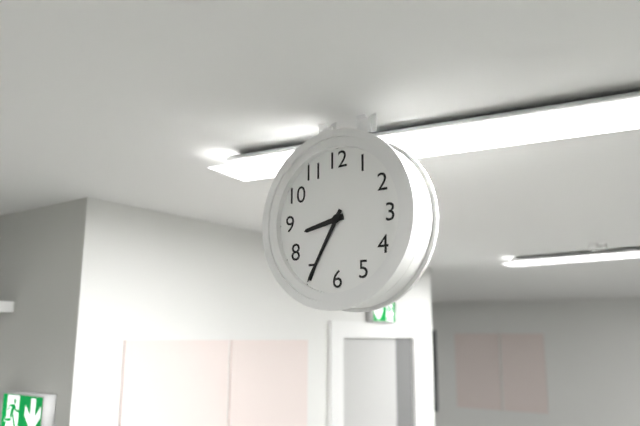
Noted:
8:35
